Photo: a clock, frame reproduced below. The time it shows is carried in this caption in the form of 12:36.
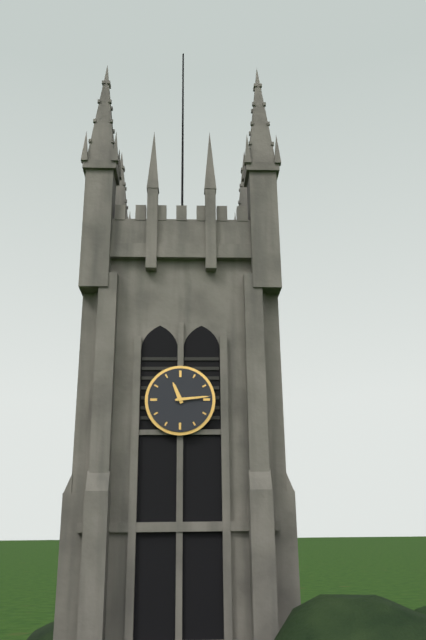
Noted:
11:14
